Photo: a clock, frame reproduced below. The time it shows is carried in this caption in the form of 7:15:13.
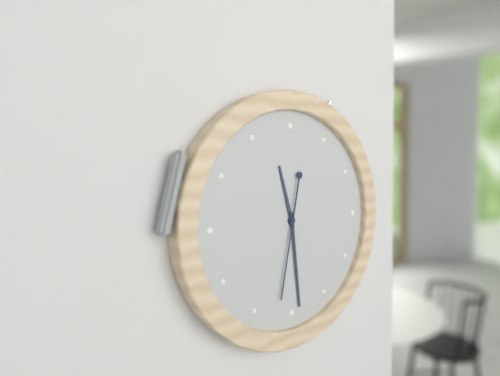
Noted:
11:29:32
